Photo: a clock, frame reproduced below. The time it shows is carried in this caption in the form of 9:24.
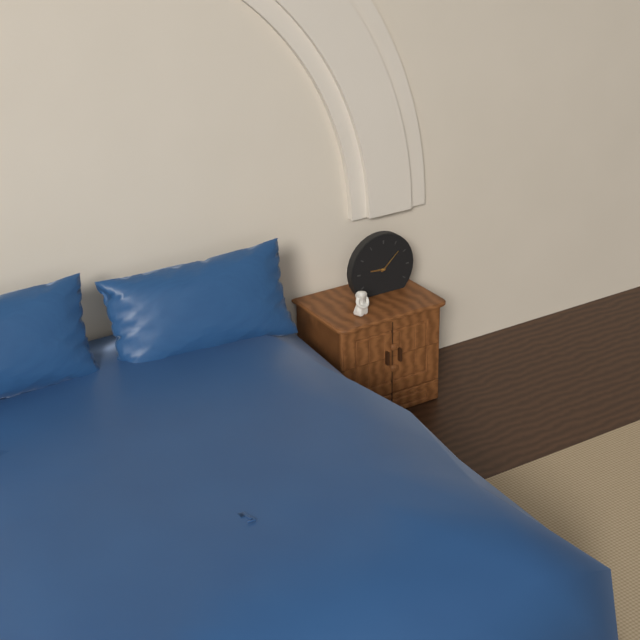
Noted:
9:08
